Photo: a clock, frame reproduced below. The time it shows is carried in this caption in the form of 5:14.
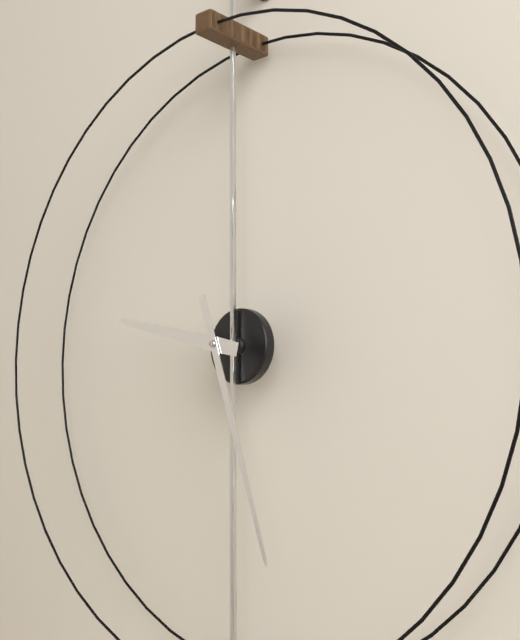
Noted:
9:27
